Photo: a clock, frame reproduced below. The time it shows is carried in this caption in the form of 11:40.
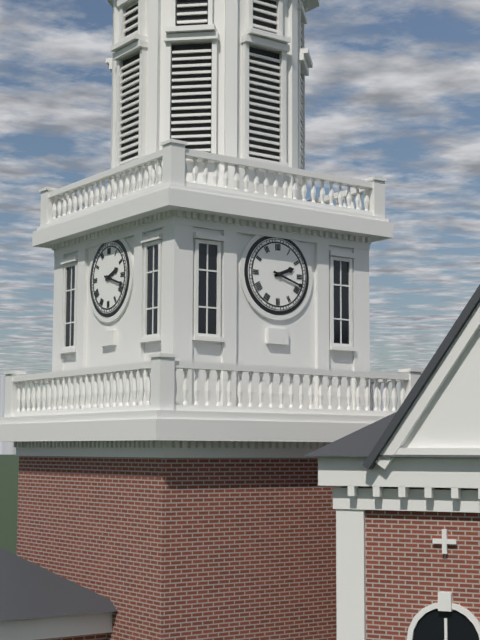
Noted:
2:18
